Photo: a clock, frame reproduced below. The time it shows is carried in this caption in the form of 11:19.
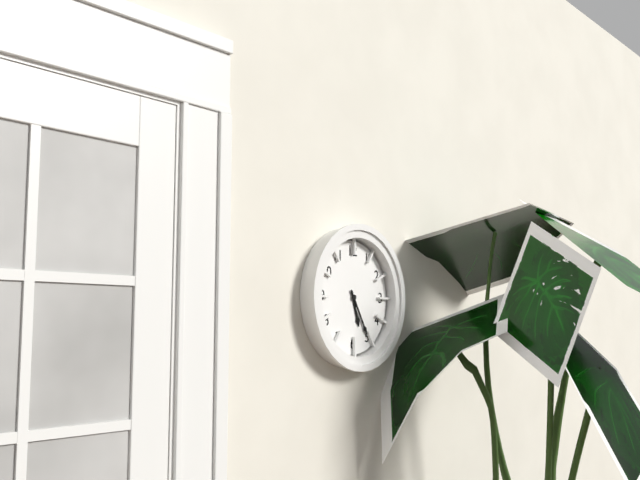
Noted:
5:25
